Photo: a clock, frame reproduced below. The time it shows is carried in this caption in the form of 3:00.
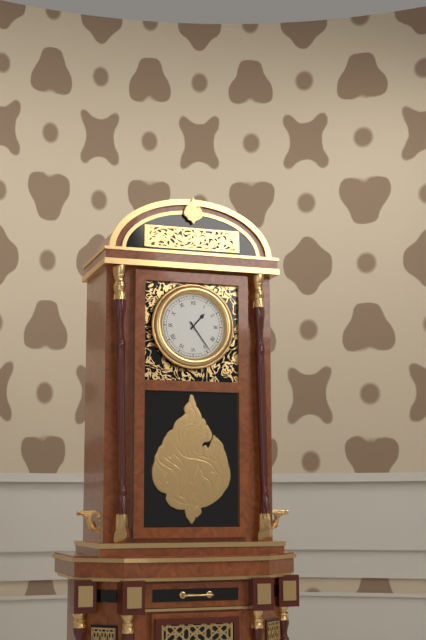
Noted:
1:24
